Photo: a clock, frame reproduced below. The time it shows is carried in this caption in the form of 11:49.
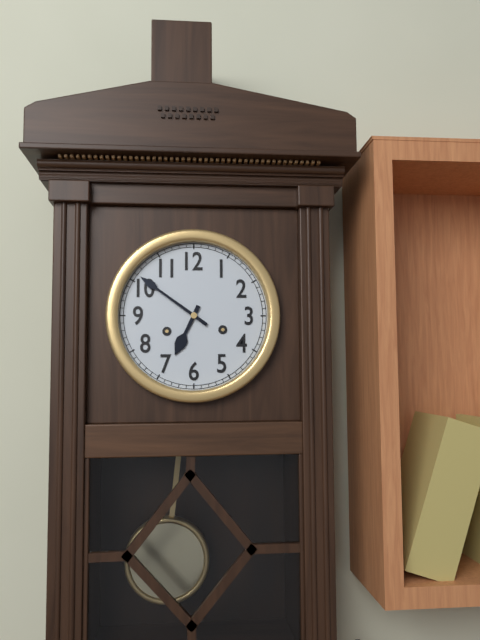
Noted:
6:51
